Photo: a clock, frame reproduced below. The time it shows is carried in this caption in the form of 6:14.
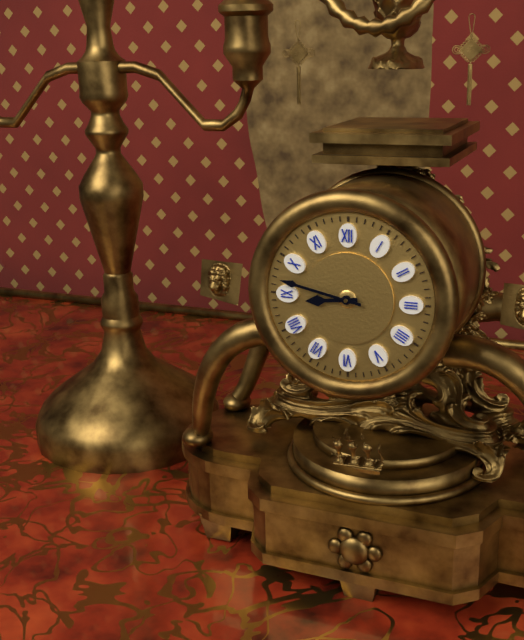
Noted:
8:47
